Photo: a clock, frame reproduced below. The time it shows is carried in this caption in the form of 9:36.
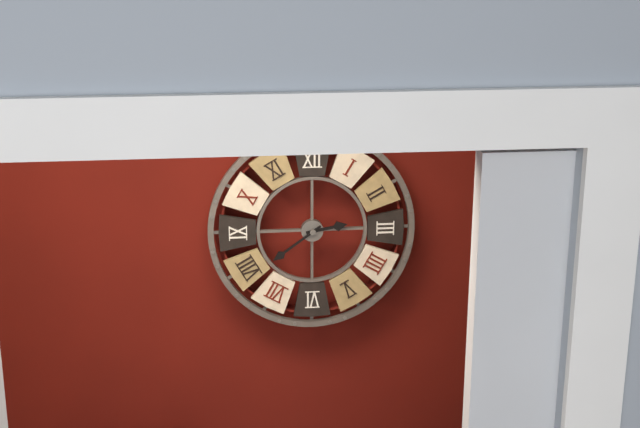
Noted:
2:39
